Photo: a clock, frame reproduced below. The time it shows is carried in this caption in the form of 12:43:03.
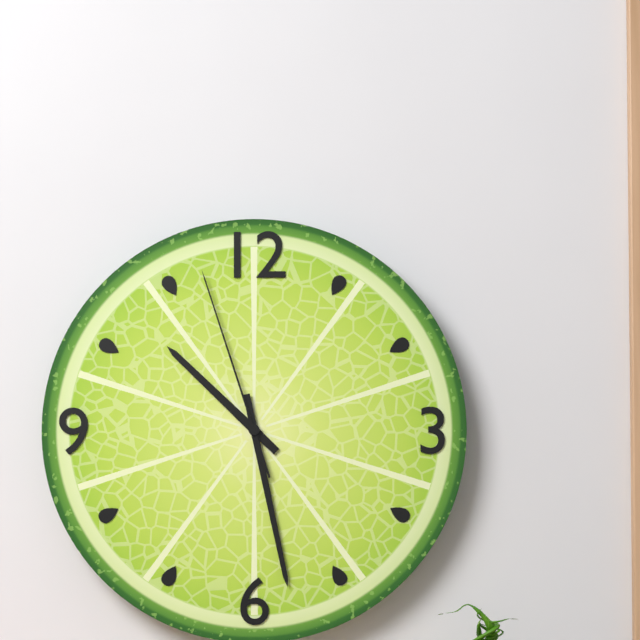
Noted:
10:28:57
